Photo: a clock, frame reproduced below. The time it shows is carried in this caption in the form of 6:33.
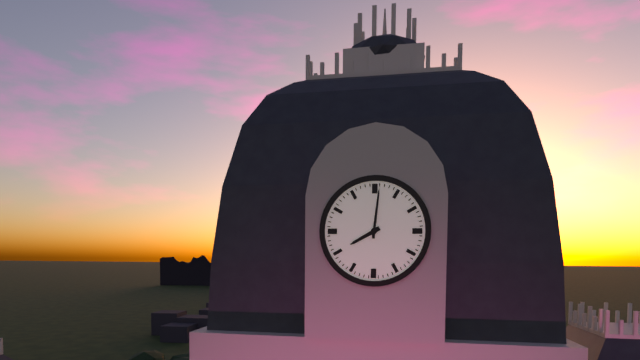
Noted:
8:01
